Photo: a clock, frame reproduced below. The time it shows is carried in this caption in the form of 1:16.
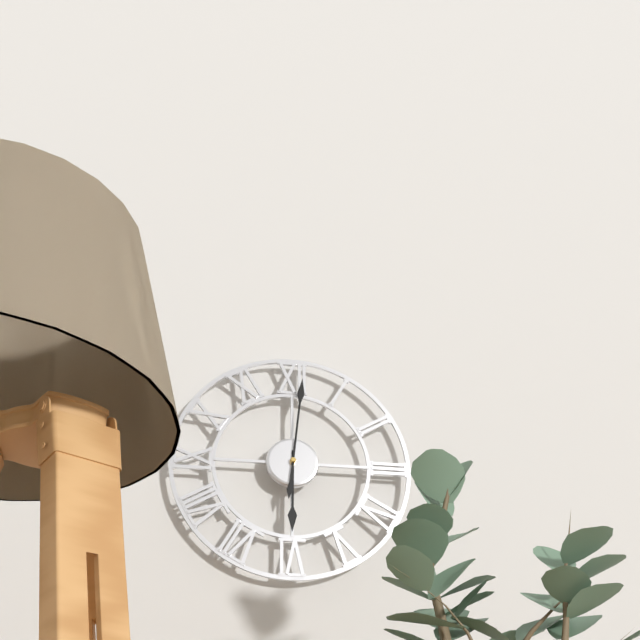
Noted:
6:01
